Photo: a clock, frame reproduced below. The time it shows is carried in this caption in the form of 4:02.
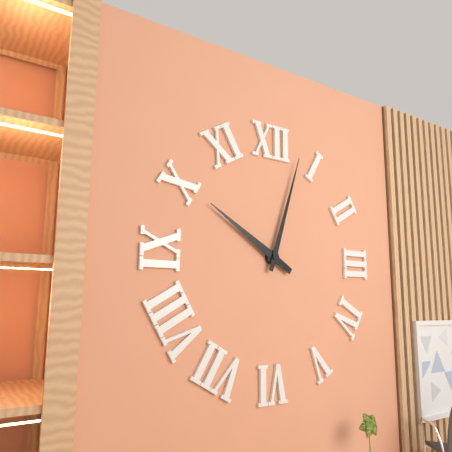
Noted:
10:03
